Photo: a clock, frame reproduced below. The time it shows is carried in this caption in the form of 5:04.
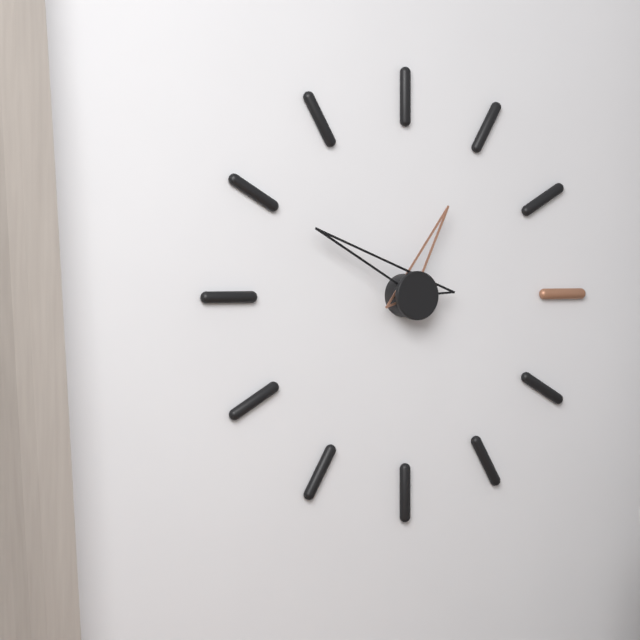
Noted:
12:50
